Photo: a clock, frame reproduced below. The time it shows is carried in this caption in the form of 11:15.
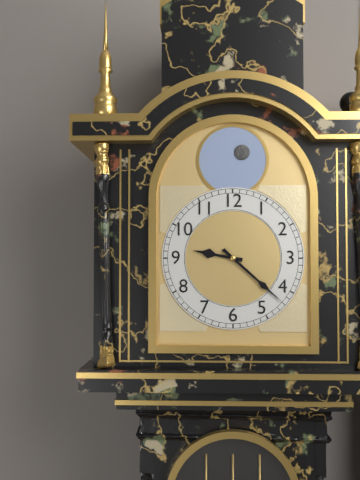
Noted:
9:22
